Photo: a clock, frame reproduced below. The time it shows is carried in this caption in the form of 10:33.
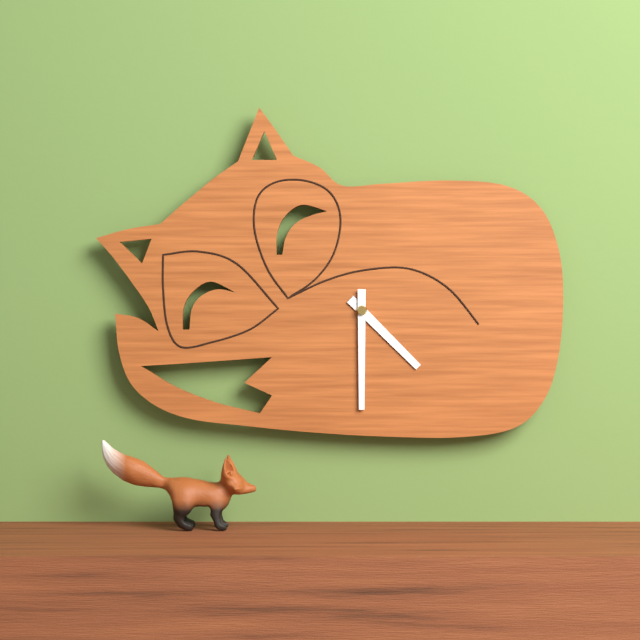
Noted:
4:30
